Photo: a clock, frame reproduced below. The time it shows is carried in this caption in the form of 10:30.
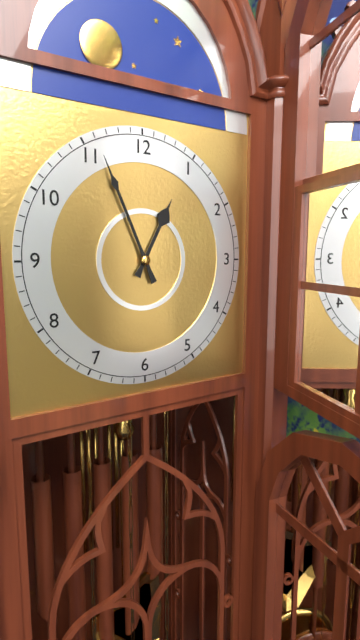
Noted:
12:56
